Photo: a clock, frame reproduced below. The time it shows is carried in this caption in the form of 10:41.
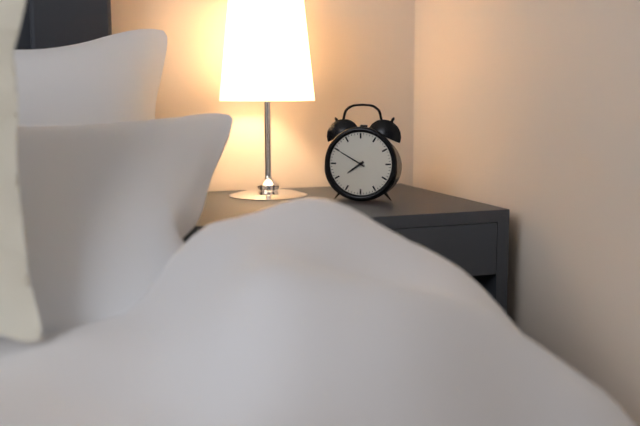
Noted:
7:50
